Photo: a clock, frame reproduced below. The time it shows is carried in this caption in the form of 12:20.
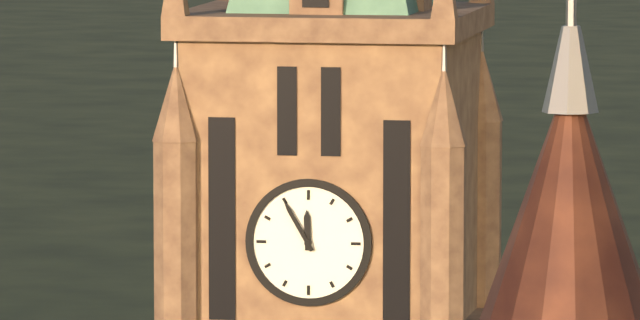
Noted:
11:55
